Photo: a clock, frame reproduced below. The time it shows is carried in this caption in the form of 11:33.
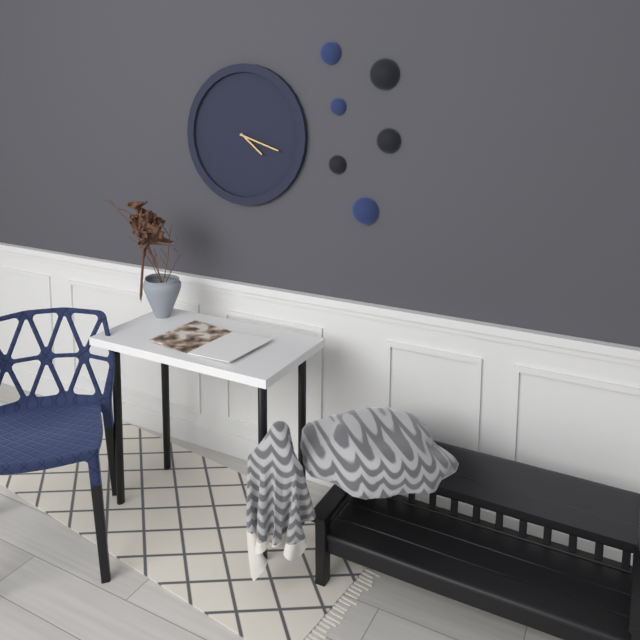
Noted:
4:18
